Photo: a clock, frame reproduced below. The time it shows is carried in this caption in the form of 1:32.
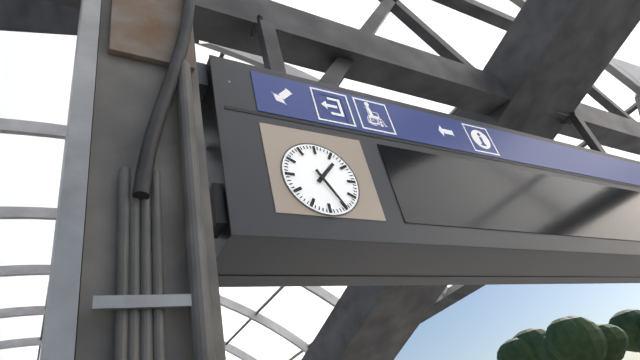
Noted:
1:25
